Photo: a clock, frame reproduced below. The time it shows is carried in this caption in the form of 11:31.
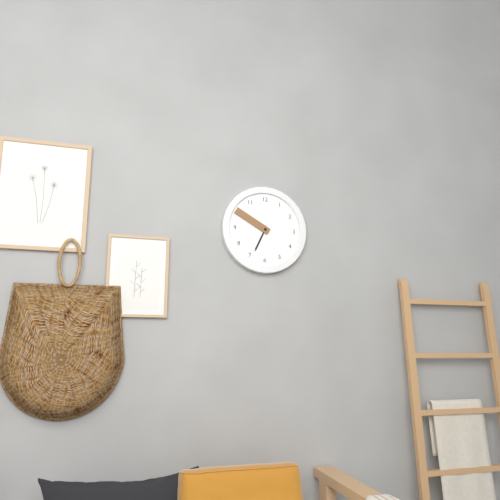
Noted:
6:50
